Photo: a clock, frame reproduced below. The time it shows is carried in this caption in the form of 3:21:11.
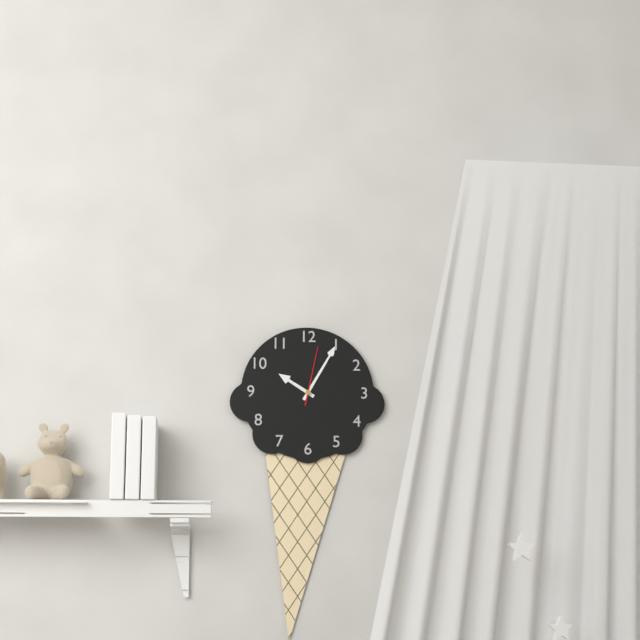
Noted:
10:05:02
